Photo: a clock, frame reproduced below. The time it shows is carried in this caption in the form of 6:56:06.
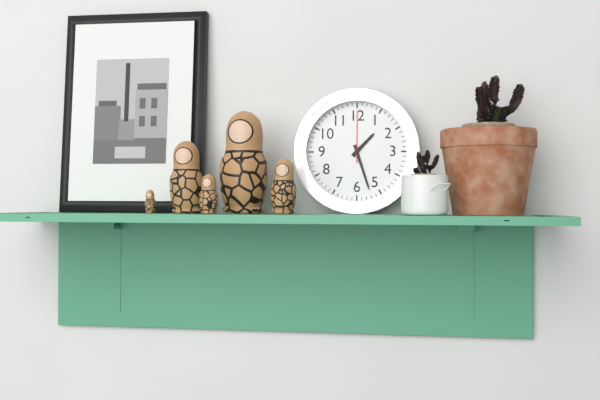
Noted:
1:27:00
